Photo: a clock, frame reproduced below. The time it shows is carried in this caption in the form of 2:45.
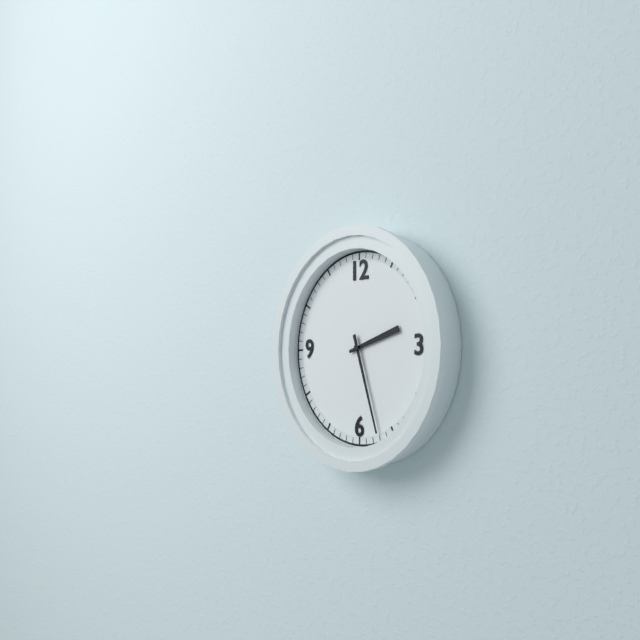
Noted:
2:27
